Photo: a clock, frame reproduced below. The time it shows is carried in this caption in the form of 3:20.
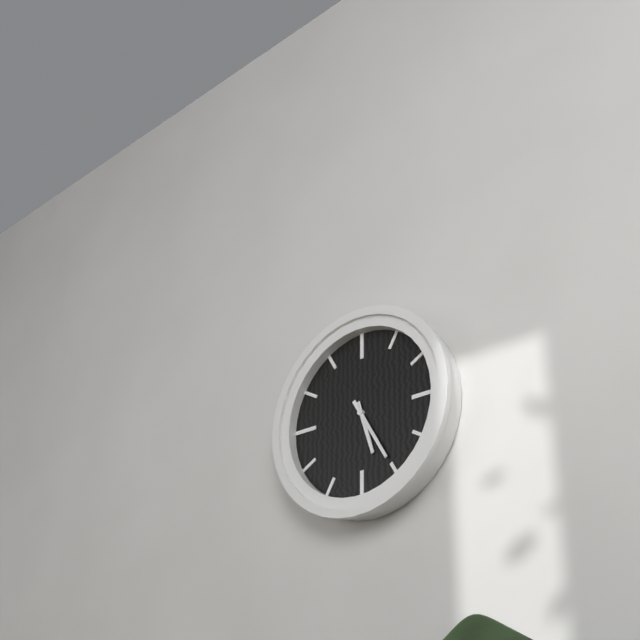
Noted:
5:25
